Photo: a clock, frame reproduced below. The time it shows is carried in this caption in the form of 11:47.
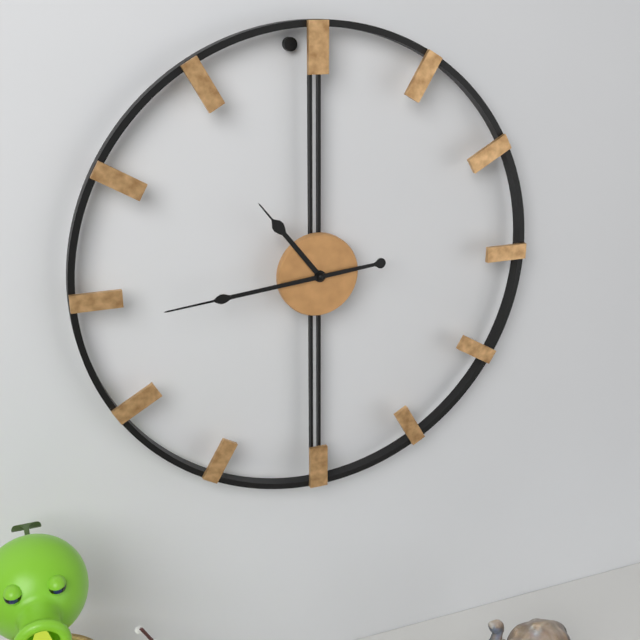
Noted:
10:44
